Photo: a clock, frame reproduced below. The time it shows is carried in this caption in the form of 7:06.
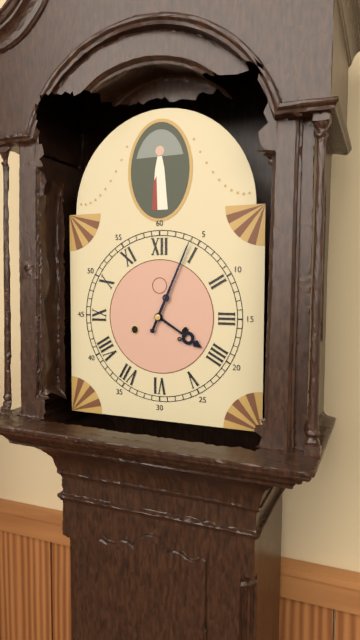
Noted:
4:04
